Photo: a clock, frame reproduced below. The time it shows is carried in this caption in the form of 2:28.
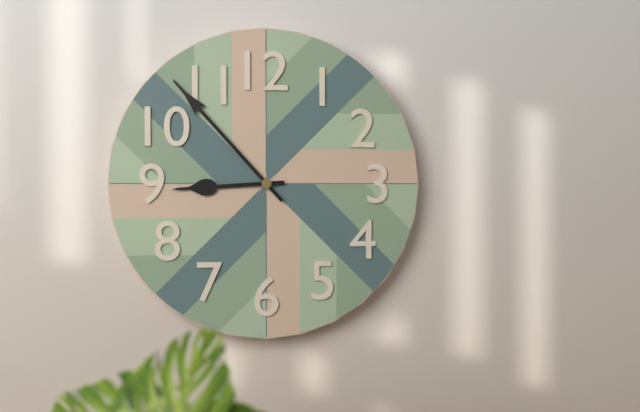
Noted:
8:53
